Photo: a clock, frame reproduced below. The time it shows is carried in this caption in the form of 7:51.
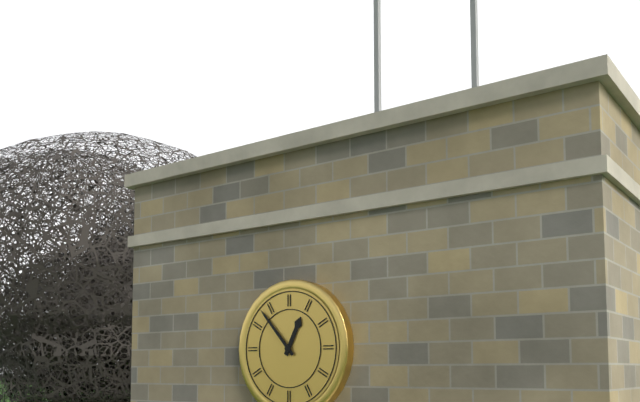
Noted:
12:53
